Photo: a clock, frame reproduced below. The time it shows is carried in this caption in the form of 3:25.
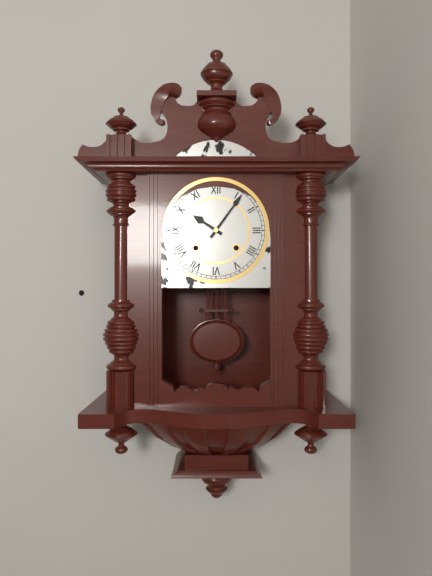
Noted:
10:06
